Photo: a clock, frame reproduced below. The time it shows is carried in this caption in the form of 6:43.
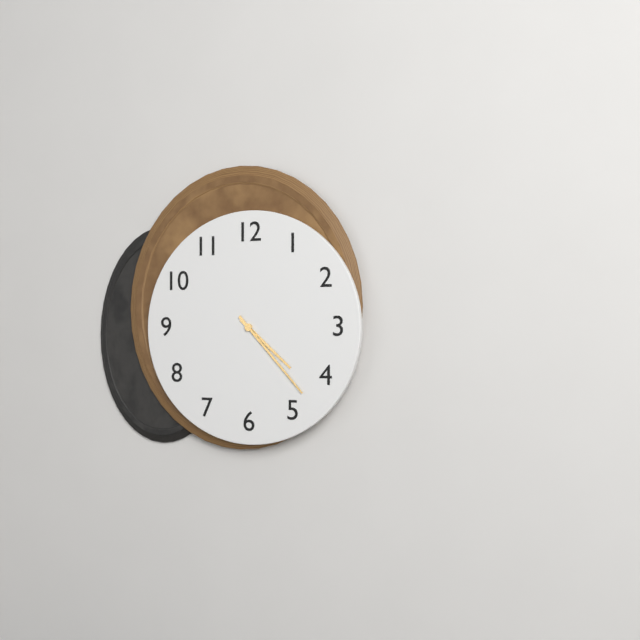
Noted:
4:23
